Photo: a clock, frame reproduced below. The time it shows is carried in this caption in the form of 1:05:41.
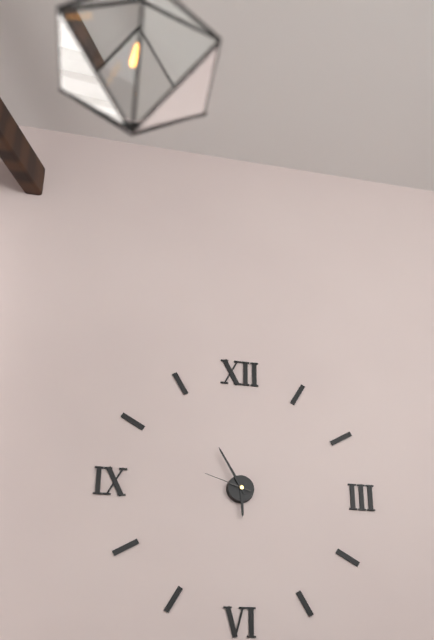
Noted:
5:55:48
